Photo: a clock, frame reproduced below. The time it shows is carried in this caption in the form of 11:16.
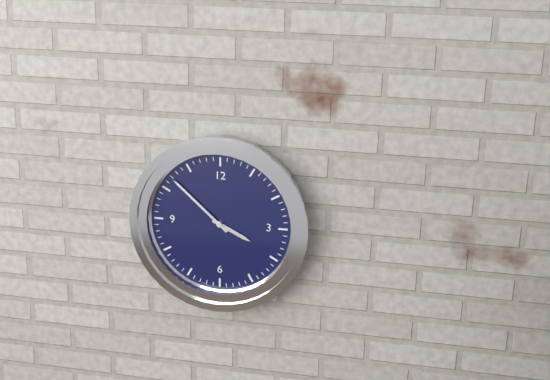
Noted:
3:52
